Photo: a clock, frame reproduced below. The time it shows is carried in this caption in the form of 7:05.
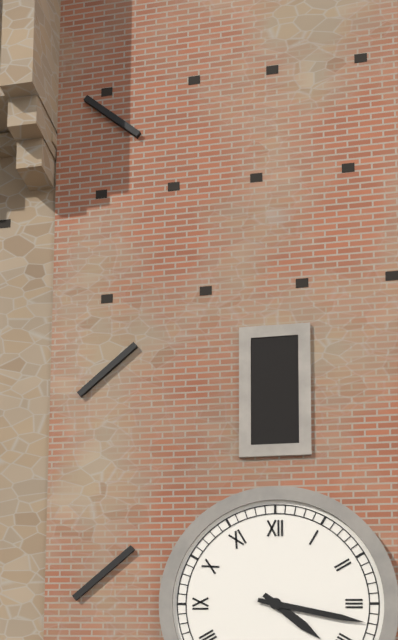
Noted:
4:17
